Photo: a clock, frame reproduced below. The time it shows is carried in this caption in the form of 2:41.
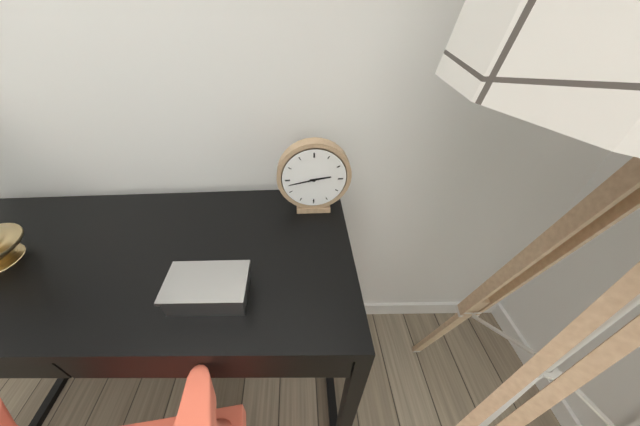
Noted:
2:43
